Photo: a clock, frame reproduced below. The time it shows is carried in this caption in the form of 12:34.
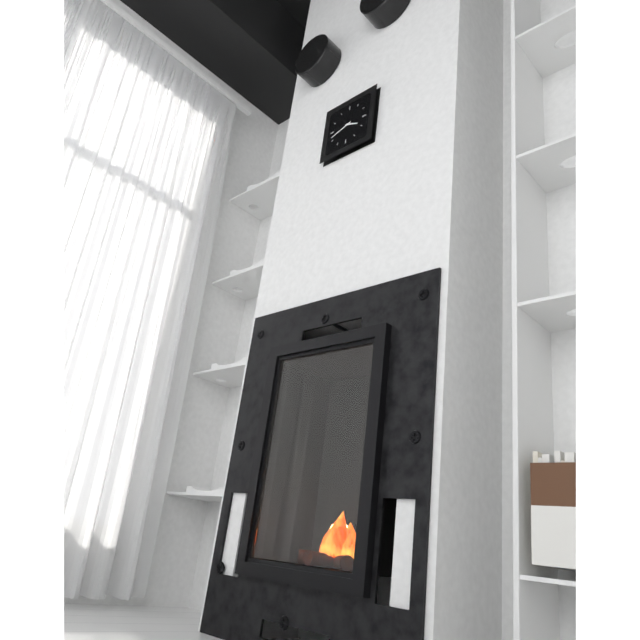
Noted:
3:42
